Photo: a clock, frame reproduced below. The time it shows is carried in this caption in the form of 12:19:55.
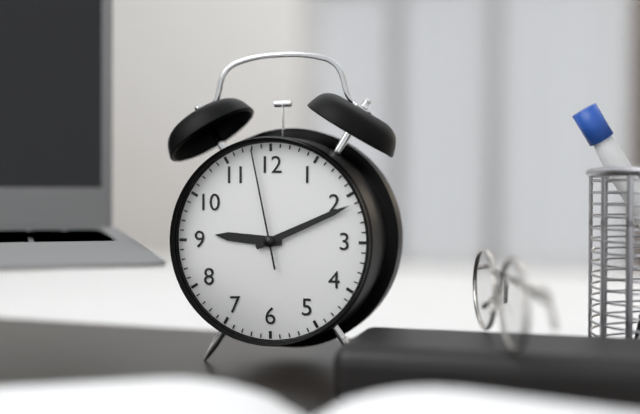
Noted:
9:11:58
